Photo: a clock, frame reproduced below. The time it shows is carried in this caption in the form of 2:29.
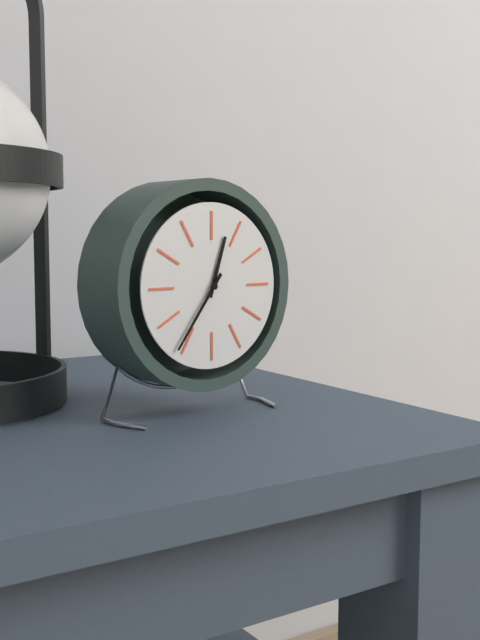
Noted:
12:36
